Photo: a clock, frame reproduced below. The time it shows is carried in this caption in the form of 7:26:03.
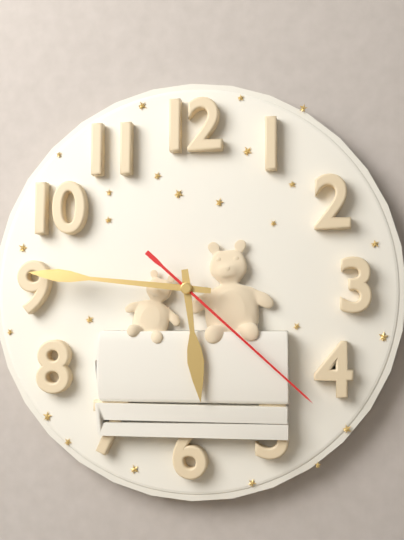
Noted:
5:46:22
